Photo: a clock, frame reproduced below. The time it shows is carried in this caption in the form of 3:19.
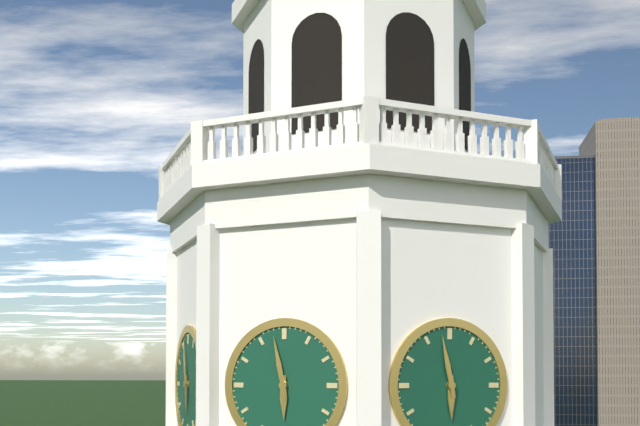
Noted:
5:58
